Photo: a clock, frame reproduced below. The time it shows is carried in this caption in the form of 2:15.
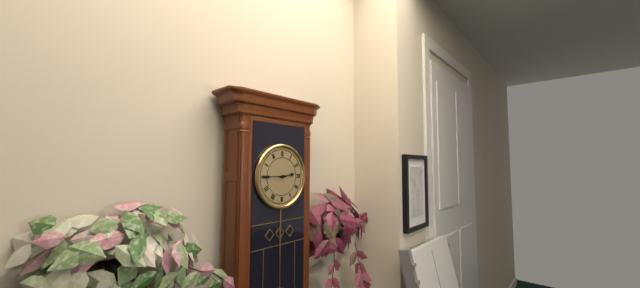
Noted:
2:45
